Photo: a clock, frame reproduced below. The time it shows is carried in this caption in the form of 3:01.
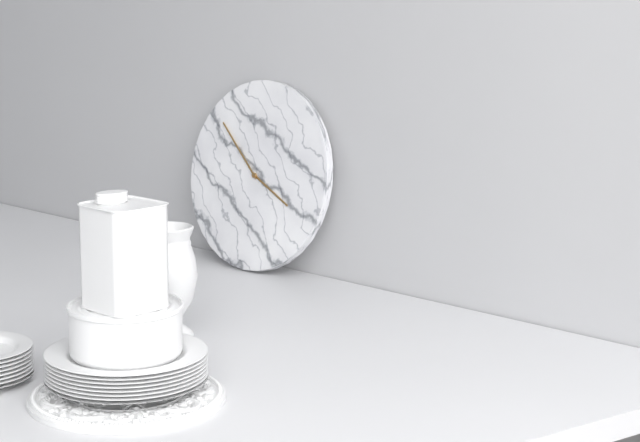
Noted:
3:52
